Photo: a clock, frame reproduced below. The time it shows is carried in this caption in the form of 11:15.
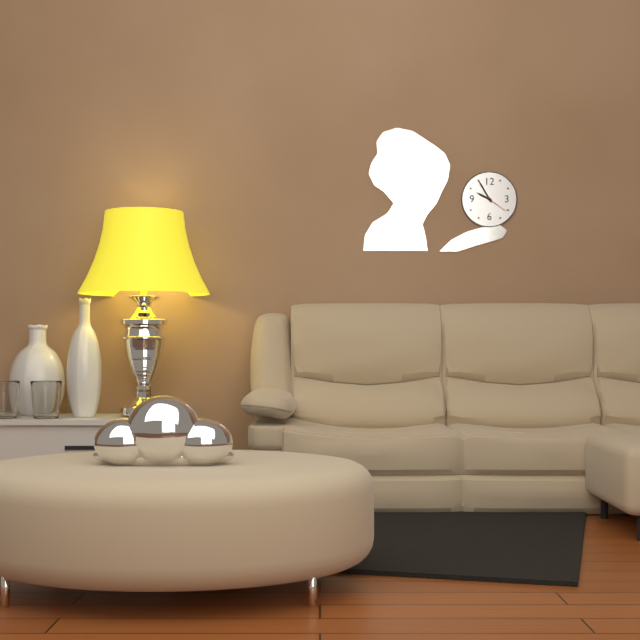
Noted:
9:55
